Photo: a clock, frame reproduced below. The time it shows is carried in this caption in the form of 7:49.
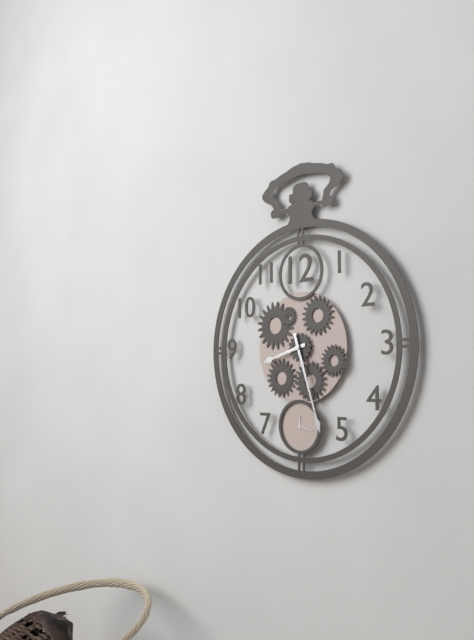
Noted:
8:27
